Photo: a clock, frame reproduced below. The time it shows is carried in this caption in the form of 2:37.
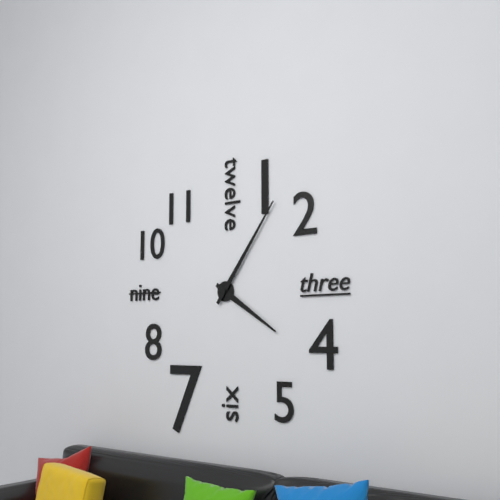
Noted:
4:06
